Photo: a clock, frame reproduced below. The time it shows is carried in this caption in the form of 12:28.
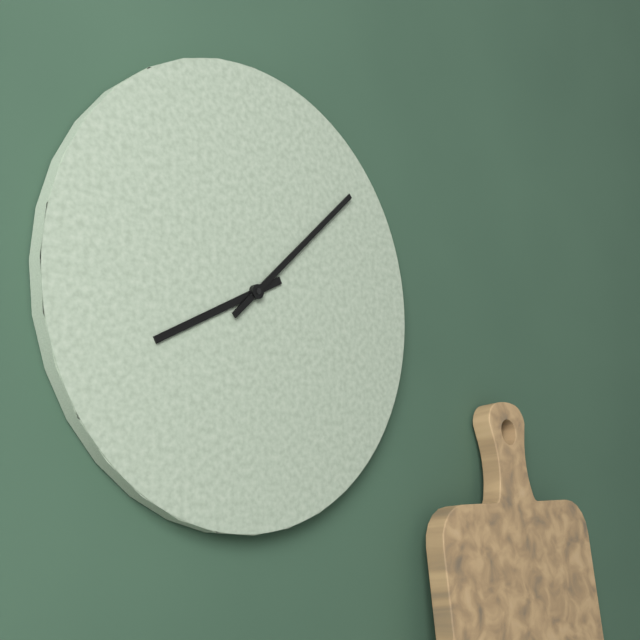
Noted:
8:08
